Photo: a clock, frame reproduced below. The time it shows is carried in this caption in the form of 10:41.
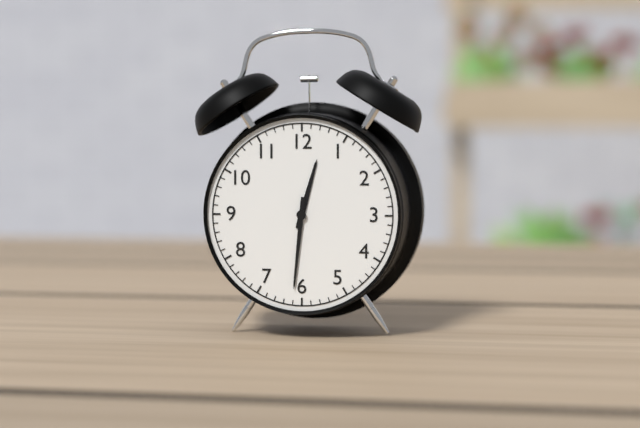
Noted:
12:31
